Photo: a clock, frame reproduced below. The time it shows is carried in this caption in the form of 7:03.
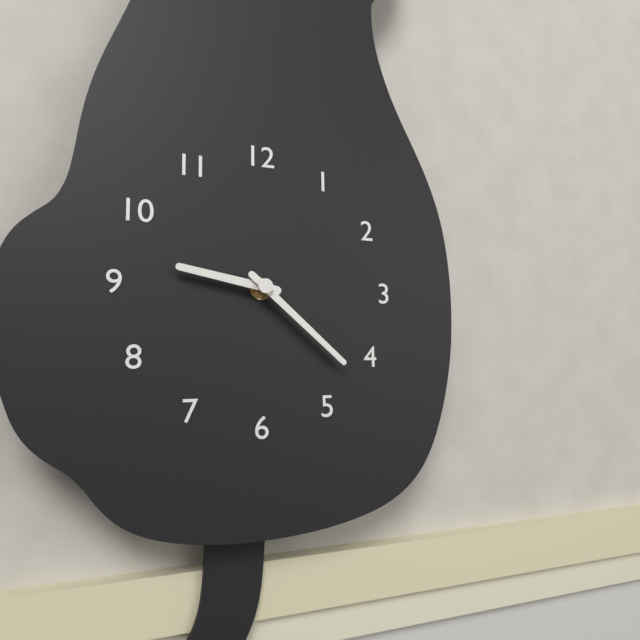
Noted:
9:22
